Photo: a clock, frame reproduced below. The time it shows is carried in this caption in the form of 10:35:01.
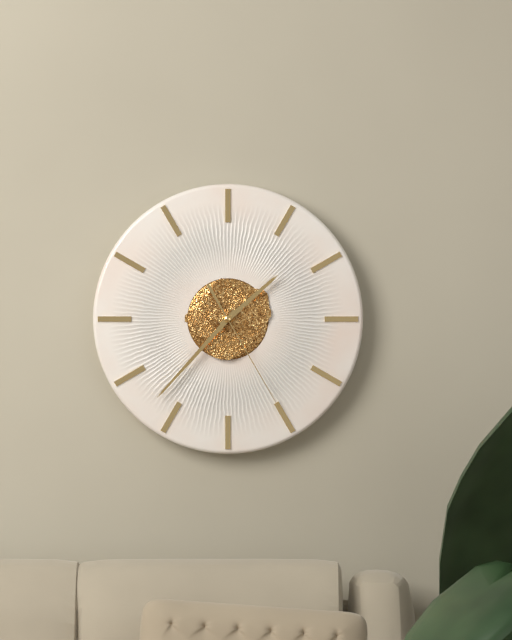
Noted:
1:37:25
